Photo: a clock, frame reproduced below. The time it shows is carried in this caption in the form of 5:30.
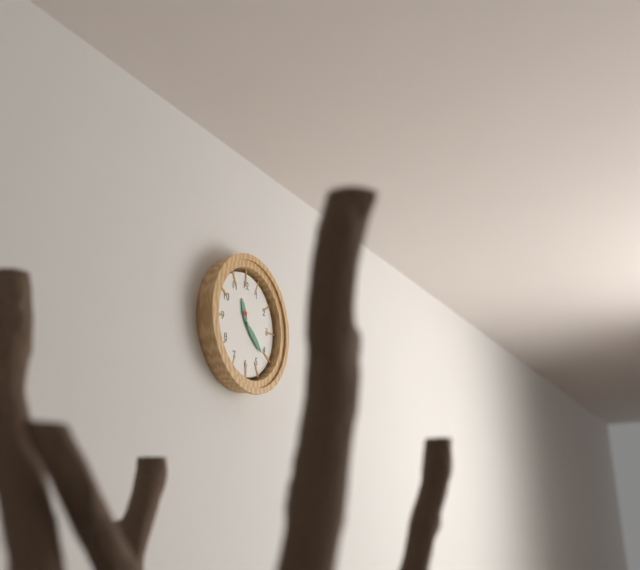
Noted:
11:22
